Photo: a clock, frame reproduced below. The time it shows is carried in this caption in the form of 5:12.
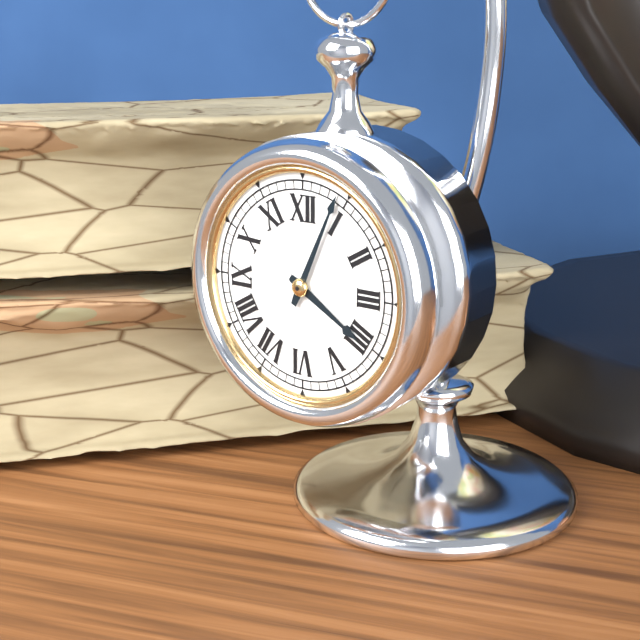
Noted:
4:04
